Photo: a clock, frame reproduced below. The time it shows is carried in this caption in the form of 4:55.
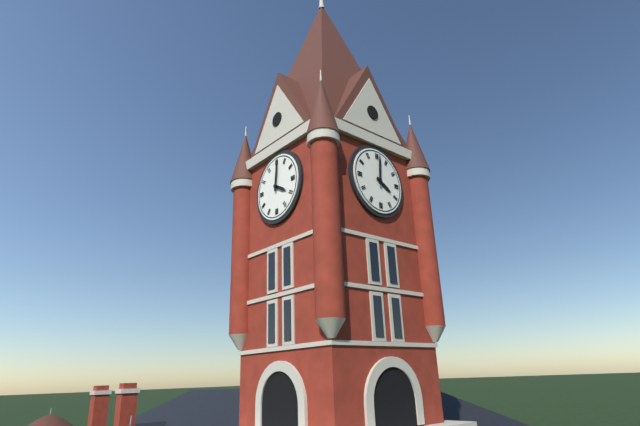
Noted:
4:01
